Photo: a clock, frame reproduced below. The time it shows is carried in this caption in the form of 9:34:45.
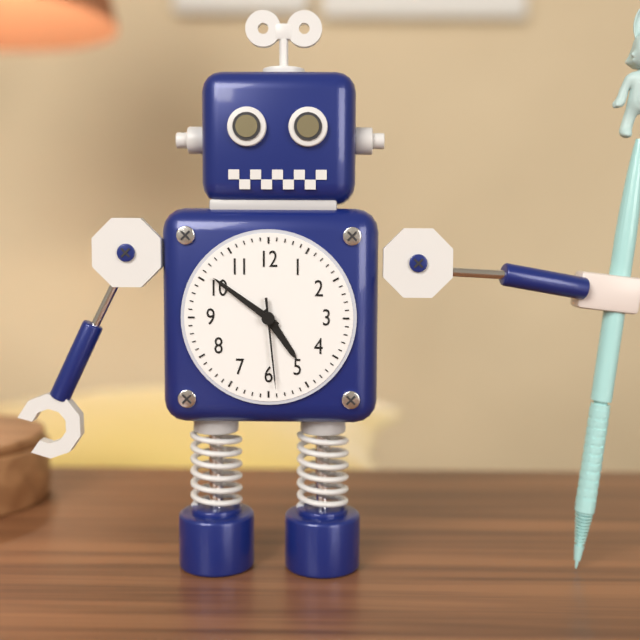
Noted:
4:51:29
